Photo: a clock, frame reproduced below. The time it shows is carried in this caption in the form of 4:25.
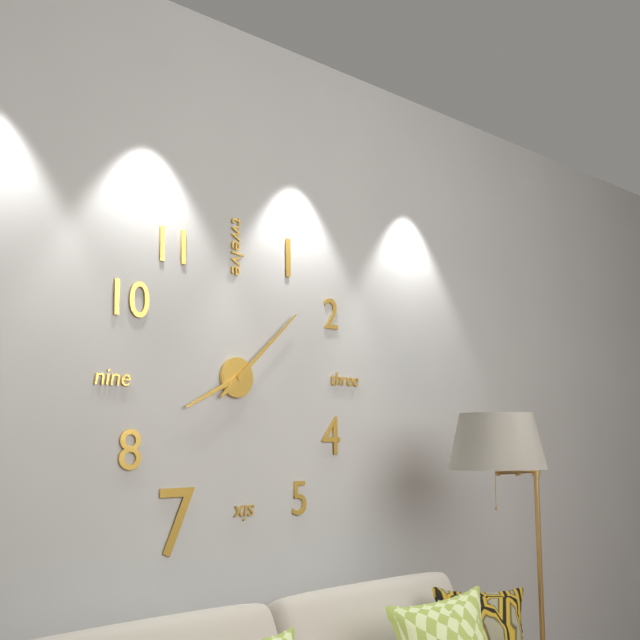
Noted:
8:08
